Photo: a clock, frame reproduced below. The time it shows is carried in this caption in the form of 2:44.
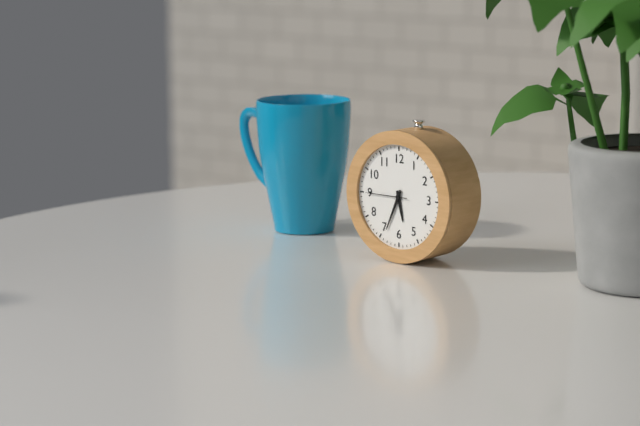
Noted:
5:34
